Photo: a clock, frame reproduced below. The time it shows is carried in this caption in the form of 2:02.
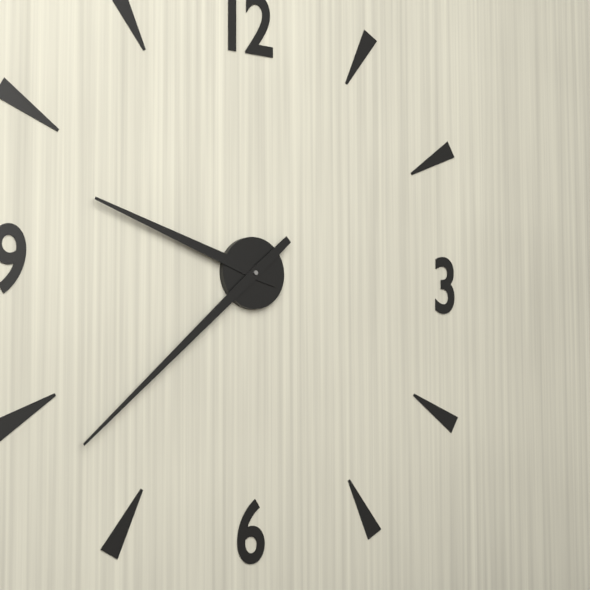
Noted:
9:38
